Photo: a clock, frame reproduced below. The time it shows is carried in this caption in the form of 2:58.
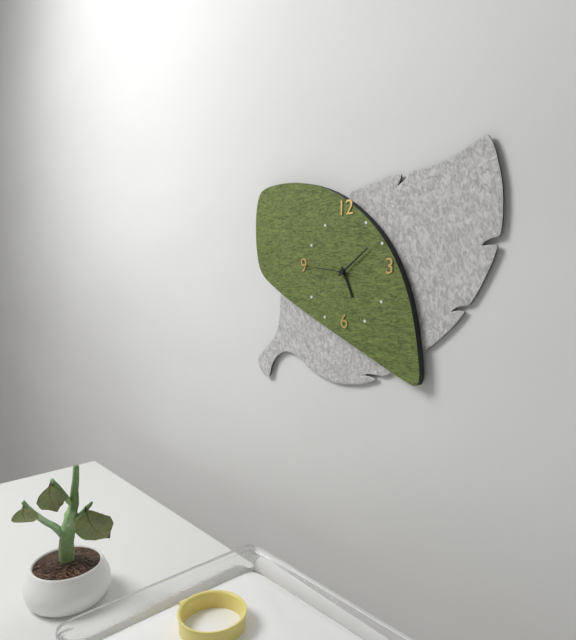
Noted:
5:09
